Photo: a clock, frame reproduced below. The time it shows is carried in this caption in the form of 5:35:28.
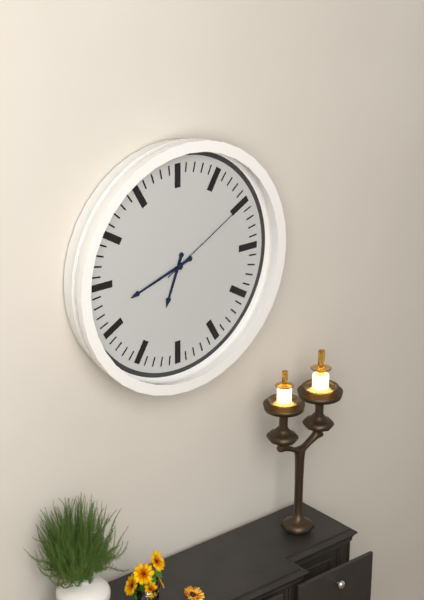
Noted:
6:42:10
